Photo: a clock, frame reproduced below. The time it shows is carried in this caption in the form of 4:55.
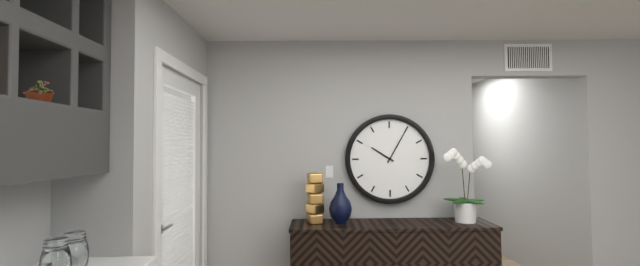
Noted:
10:05
